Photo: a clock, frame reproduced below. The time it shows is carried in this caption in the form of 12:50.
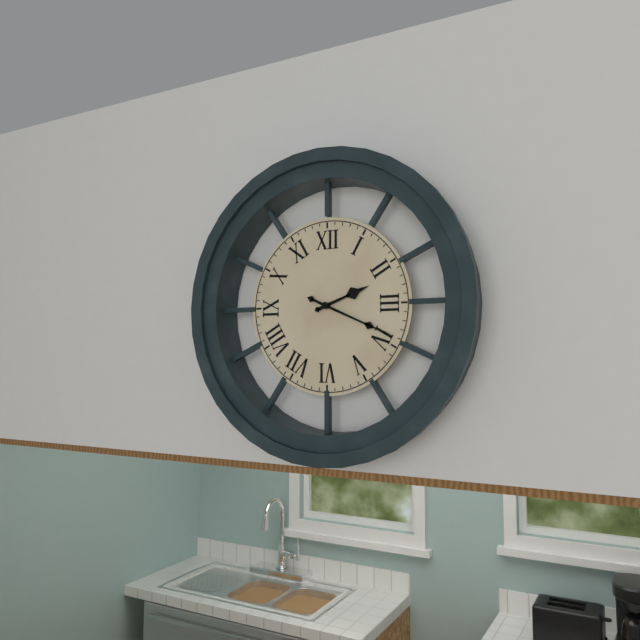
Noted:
2:19
